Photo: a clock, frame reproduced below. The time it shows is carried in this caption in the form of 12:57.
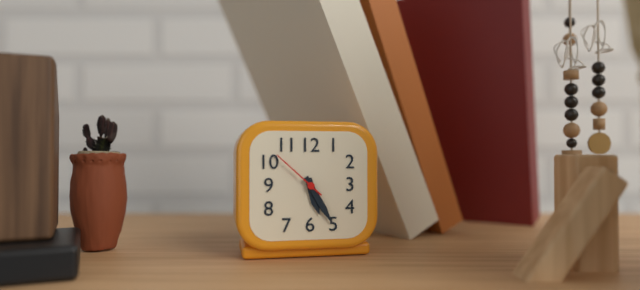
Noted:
5:25
